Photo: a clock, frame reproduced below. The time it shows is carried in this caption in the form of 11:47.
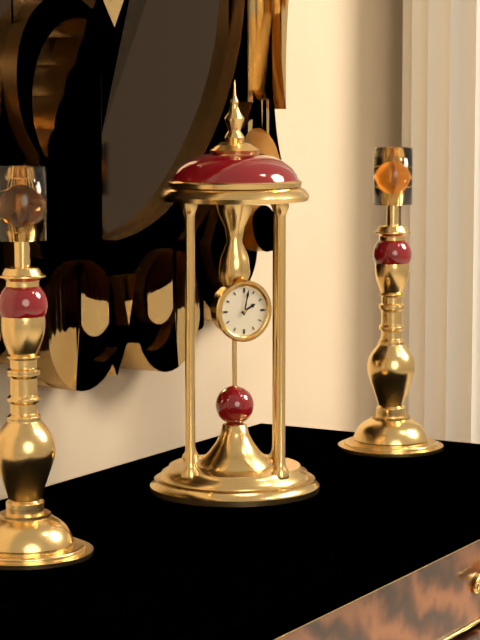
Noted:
2:02
